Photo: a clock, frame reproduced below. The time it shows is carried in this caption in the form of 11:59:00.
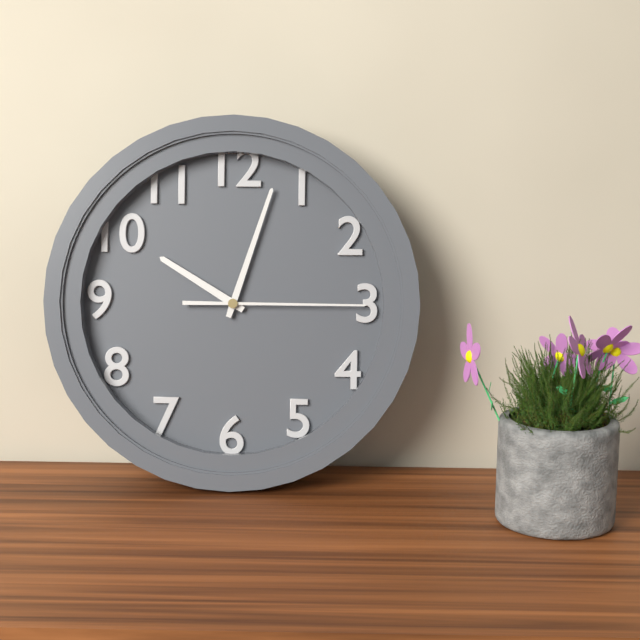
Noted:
10:03:15
